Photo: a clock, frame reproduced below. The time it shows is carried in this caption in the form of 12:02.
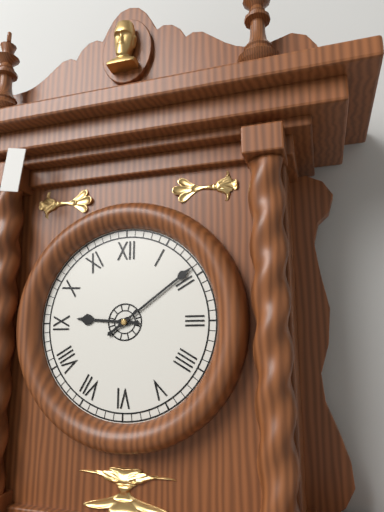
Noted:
9:09
